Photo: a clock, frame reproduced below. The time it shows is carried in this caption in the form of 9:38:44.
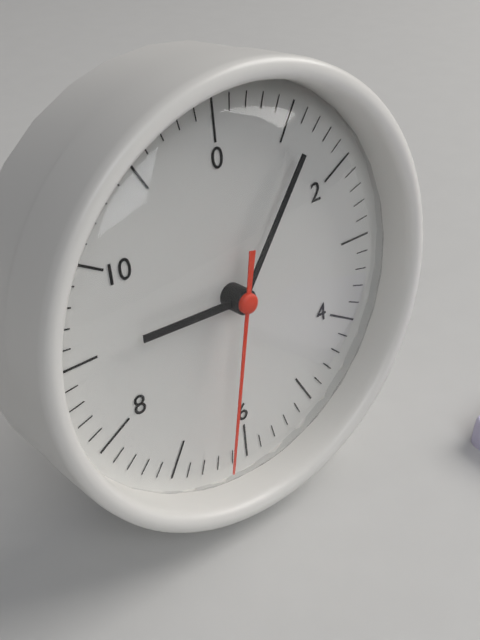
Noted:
9:06:32
